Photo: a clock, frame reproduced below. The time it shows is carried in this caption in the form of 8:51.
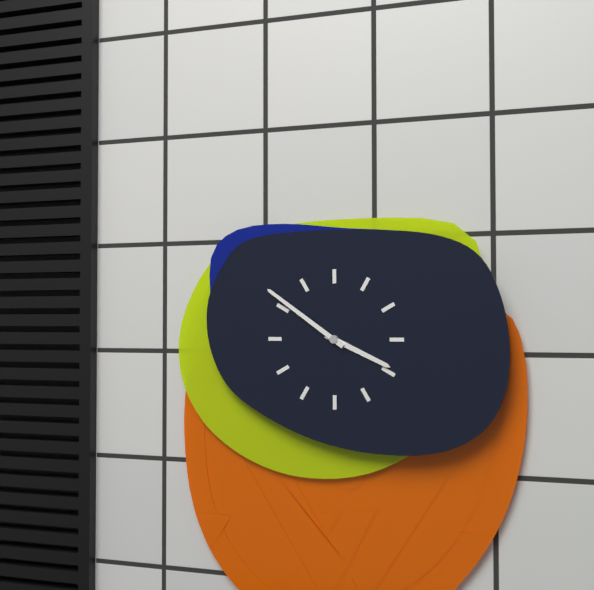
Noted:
3:51
